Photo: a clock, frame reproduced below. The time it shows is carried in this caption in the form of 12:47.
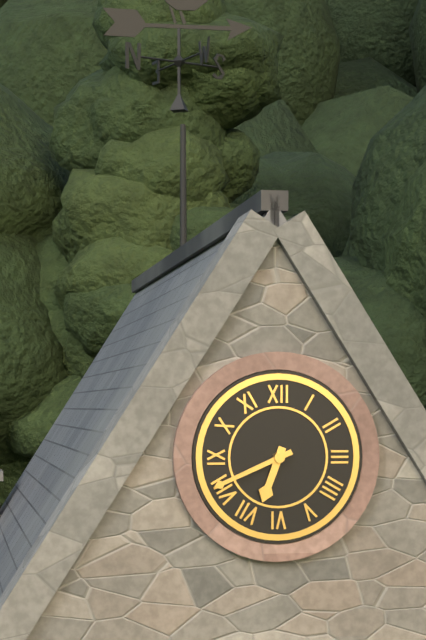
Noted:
6:41
